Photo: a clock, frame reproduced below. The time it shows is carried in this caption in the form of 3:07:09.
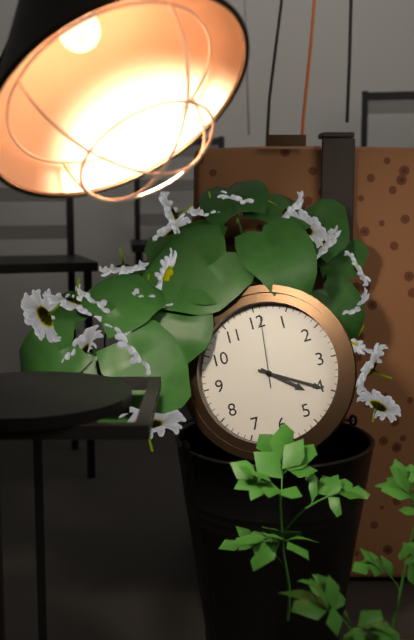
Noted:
4:20:01
